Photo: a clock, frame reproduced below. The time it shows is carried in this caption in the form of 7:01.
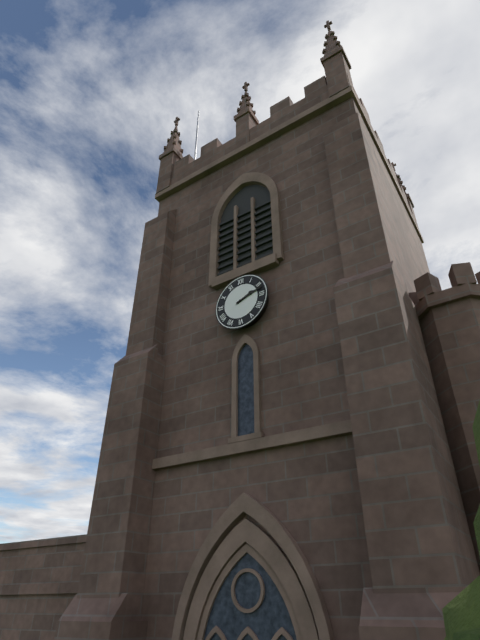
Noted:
2:12
